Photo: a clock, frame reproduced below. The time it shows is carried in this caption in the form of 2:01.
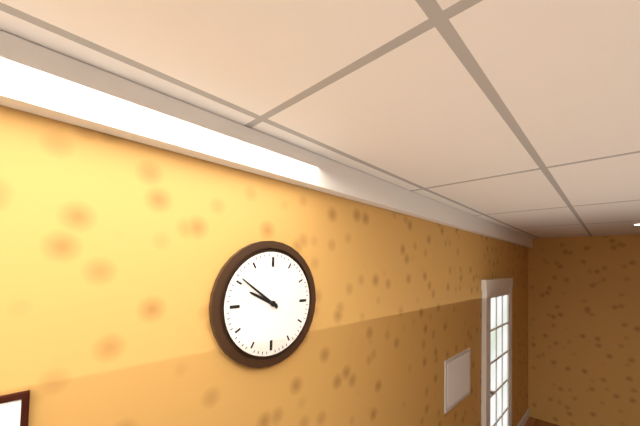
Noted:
9:51
